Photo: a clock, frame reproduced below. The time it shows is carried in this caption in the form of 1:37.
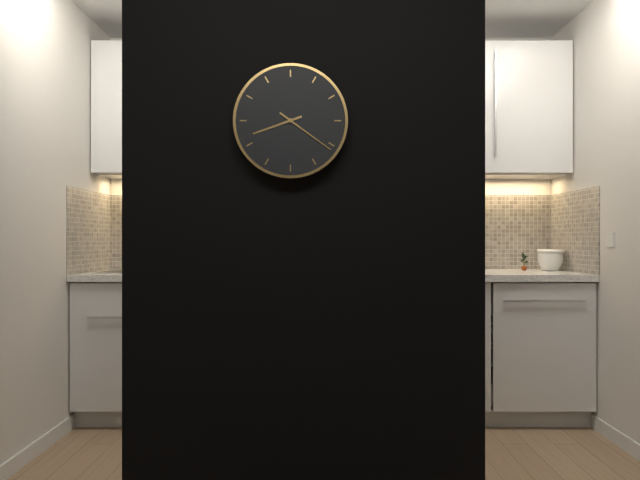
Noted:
8:21
